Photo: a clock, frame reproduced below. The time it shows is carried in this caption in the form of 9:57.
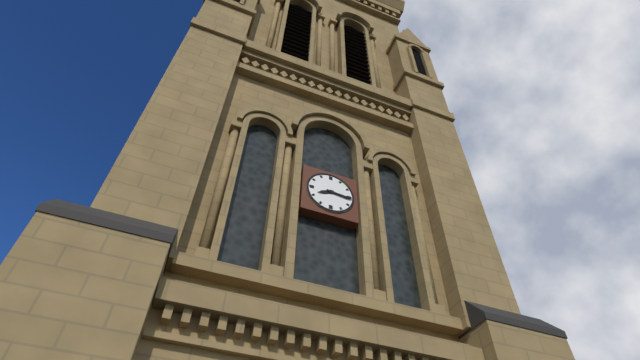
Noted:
8:16
